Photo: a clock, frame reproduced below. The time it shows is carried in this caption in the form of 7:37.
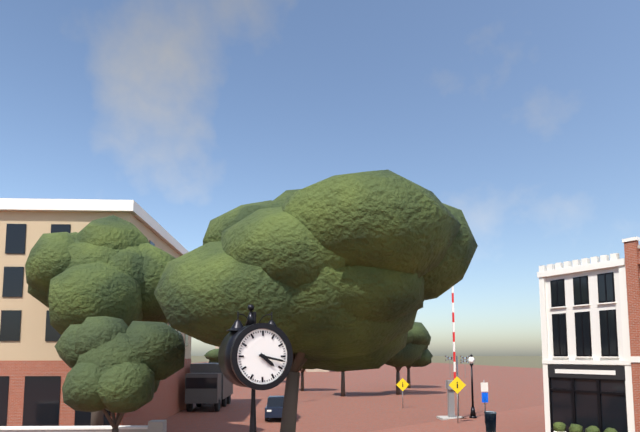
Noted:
4:17
